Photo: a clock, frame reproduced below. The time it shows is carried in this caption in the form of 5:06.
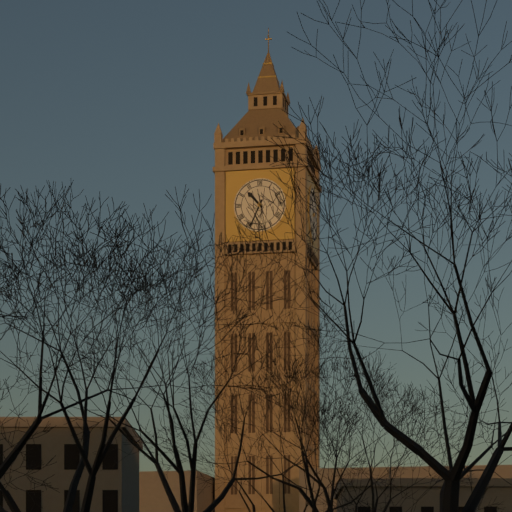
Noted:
10:34
